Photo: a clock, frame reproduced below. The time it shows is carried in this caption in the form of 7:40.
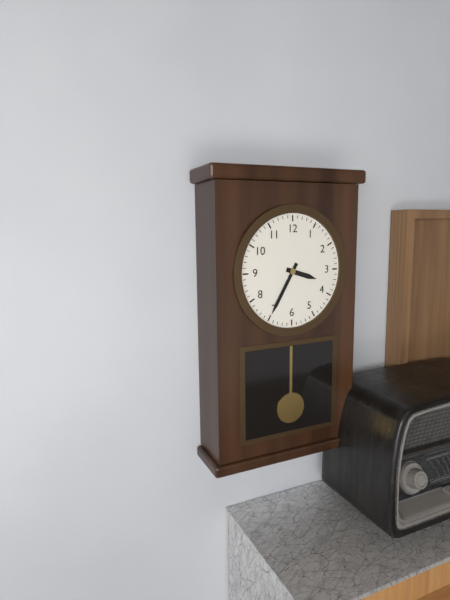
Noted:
3:35
